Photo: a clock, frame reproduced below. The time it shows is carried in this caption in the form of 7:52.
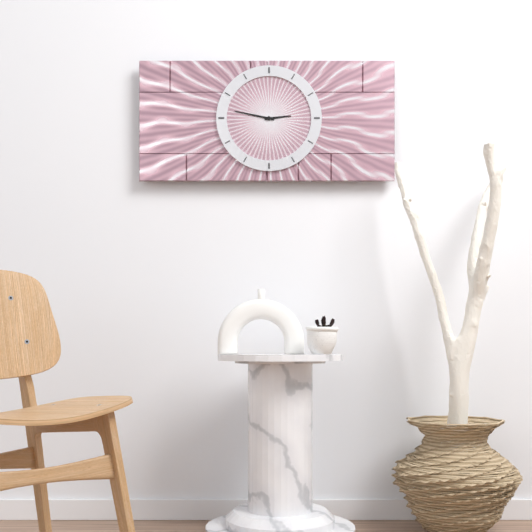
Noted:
2:47
